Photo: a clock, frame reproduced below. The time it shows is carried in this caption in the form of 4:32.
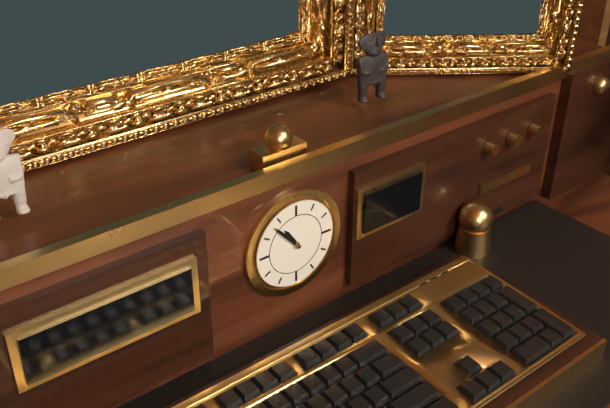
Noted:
10:53
